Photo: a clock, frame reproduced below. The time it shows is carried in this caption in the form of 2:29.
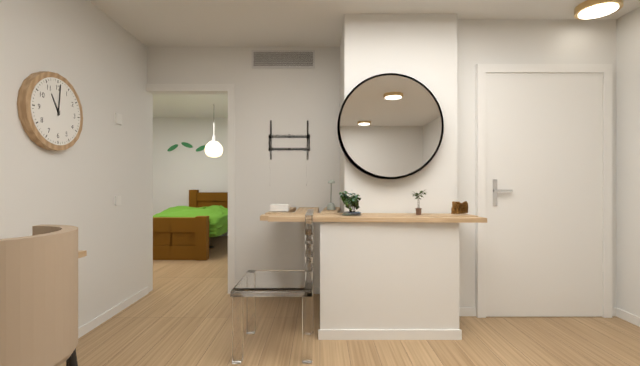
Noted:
11:01
